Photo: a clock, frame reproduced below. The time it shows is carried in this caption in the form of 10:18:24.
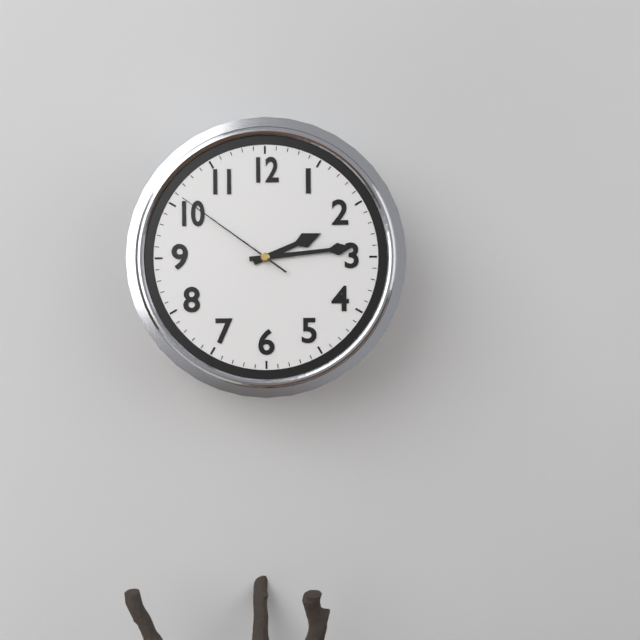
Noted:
2:14:51
